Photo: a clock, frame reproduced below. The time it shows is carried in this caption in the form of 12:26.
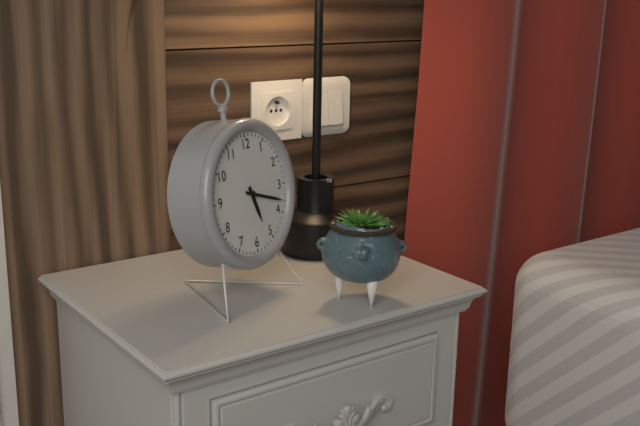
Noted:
5:18
